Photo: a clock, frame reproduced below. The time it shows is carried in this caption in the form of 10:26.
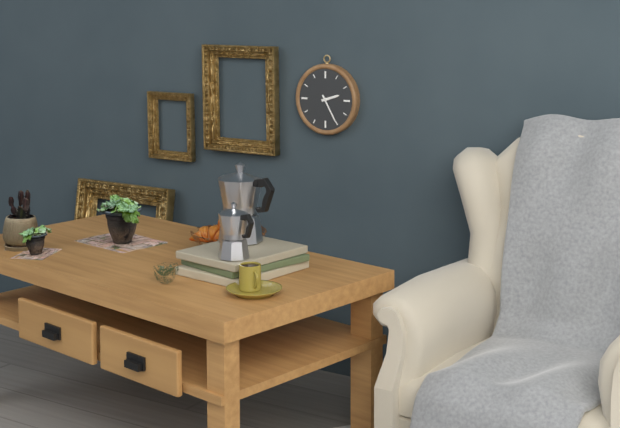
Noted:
2:25
